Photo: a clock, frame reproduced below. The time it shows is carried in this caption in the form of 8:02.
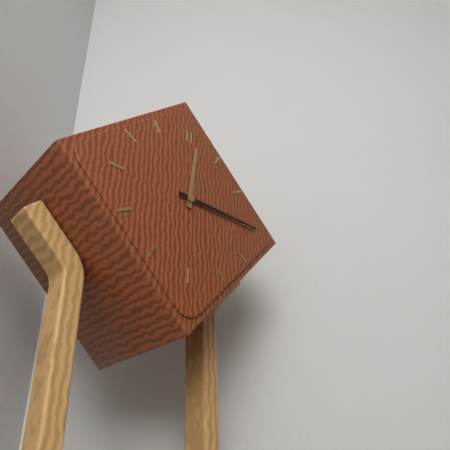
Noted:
12:15
